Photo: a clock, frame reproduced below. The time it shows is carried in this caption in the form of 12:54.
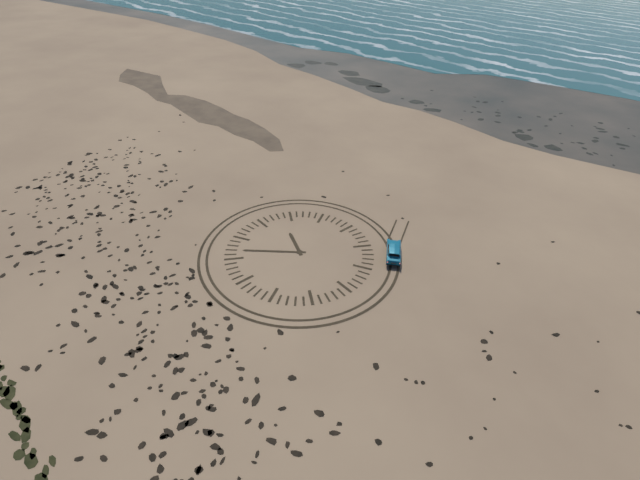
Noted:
10:42
